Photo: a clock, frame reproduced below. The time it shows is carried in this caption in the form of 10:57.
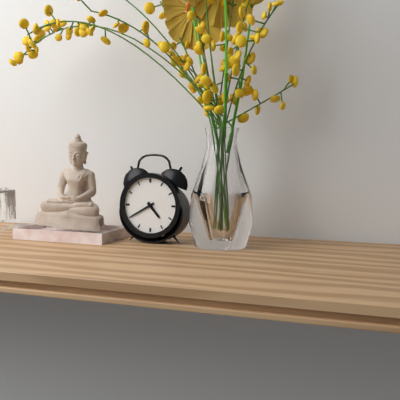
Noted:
4:40
